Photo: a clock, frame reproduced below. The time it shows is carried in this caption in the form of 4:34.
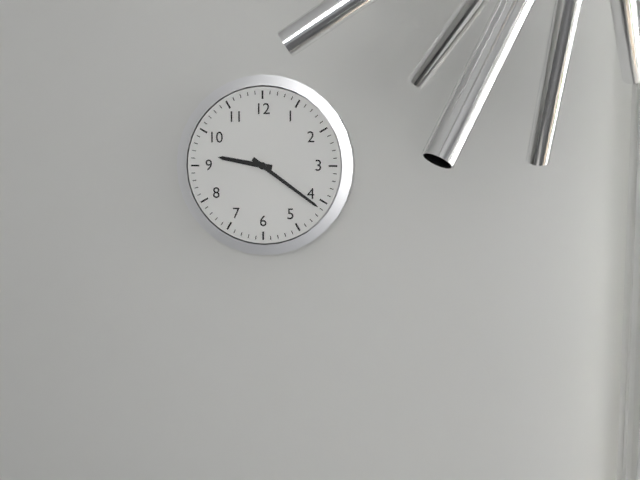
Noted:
9:21
